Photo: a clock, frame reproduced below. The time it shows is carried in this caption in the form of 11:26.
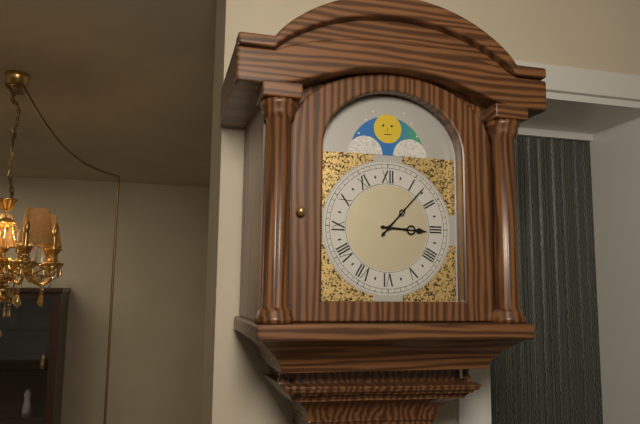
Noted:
3:07
